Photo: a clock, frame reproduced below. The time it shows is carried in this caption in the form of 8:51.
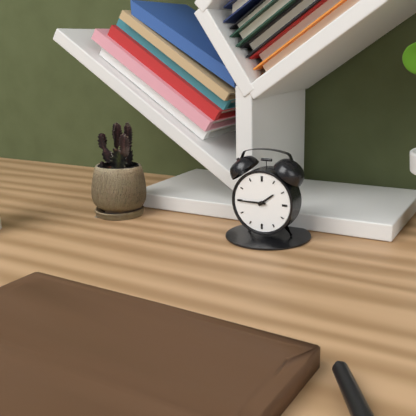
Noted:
1:45
